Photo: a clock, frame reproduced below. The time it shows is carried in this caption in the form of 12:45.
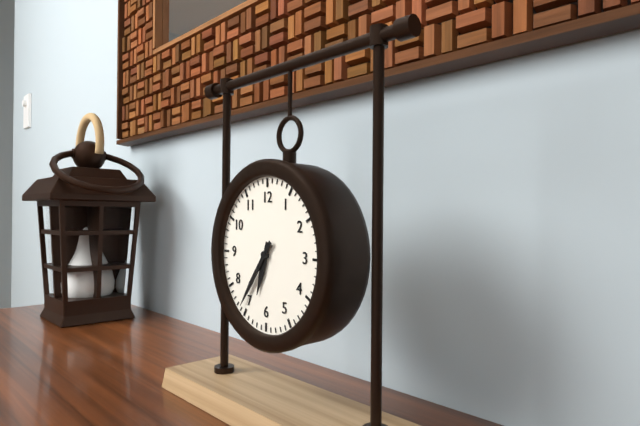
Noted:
6:36
